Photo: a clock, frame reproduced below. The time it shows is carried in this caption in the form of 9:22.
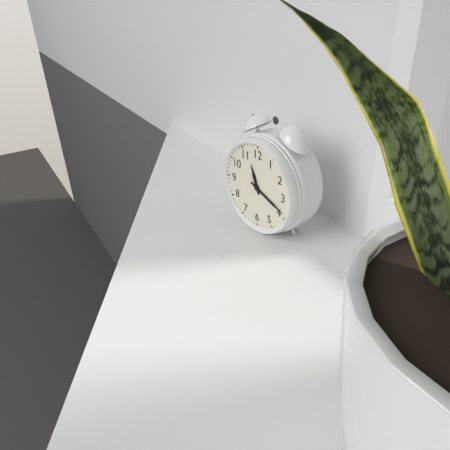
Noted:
11:19
